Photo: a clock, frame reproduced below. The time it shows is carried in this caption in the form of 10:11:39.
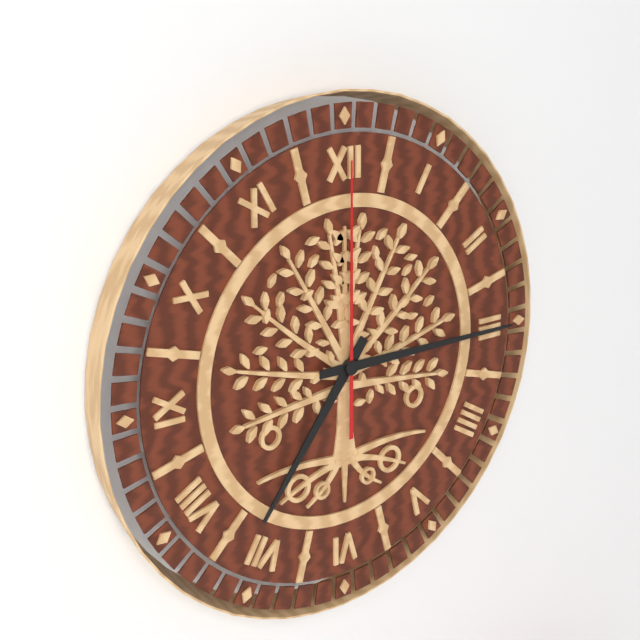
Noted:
7:15:00
